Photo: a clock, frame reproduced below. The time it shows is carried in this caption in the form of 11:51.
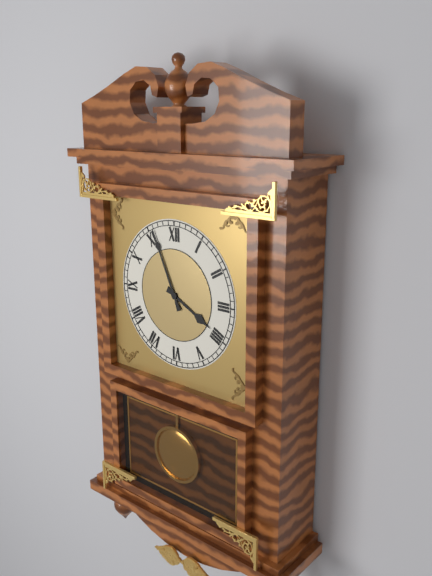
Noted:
3:56
